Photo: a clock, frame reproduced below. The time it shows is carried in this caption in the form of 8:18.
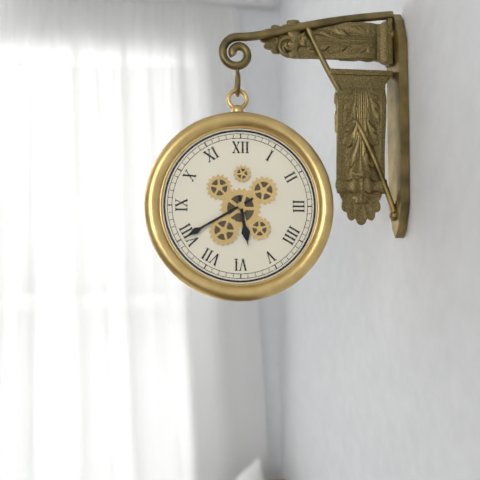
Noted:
5:40
